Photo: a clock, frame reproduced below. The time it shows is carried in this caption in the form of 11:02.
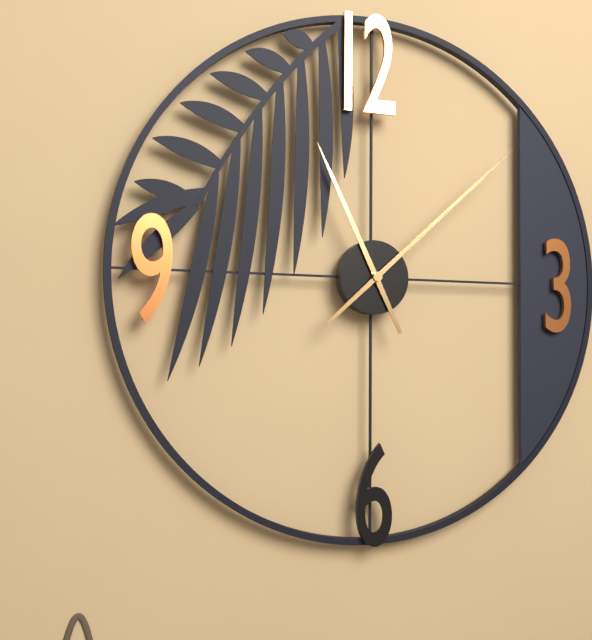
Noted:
11:08
